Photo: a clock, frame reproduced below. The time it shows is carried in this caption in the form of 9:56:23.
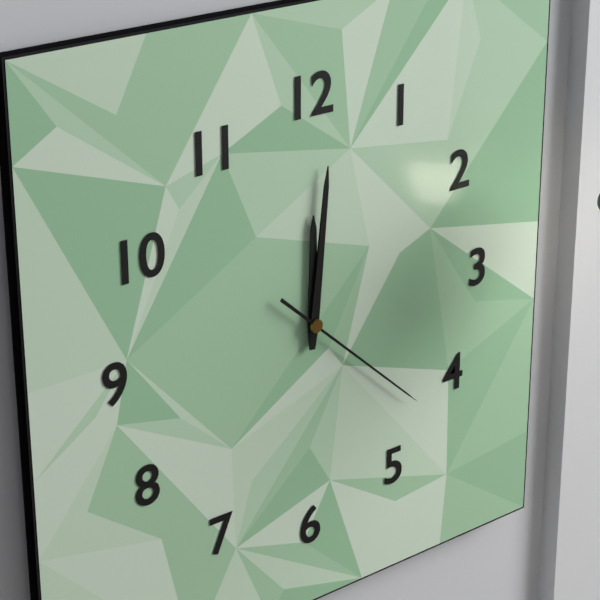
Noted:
12:01:22
